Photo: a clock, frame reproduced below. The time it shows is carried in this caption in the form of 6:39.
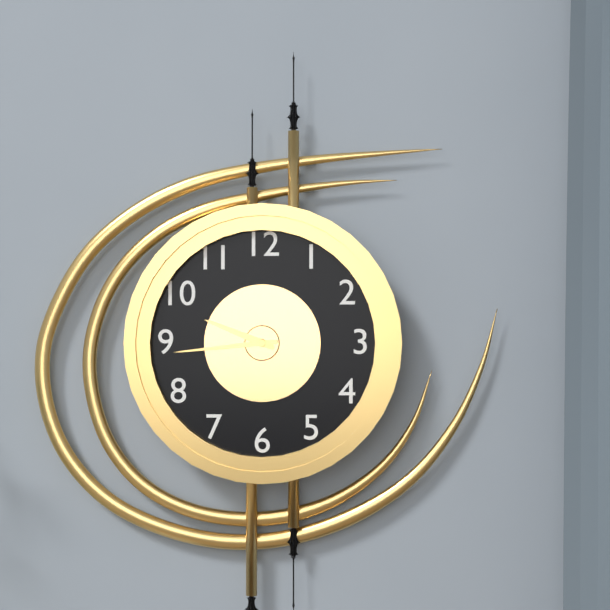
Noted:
9:44
